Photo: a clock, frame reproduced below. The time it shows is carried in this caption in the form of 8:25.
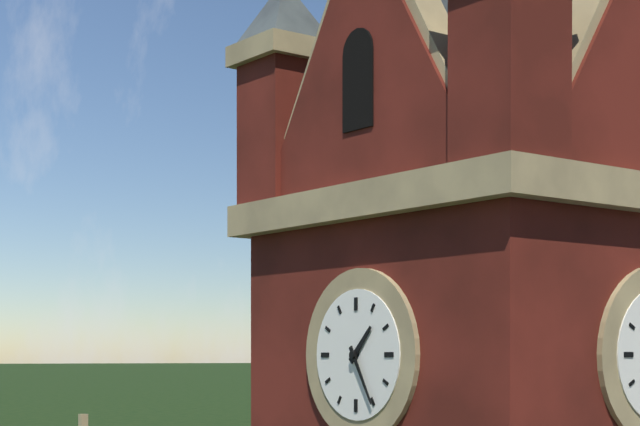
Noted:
1:25
